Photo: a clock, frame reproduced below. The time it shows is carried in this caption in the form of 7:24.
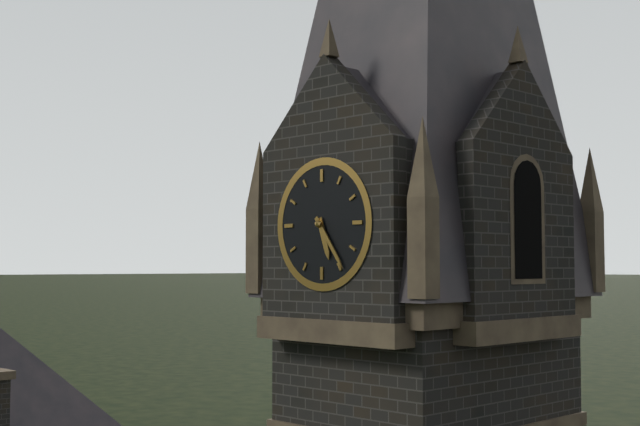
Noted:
5:24
